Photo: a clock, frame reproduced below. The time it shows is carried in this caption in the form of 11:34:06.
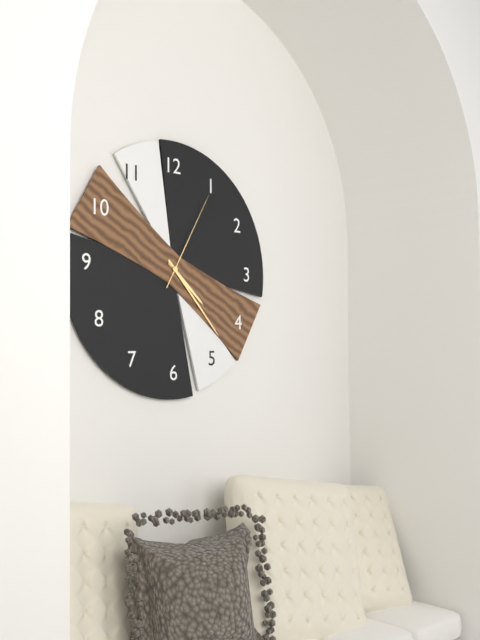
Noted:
4:23:05
